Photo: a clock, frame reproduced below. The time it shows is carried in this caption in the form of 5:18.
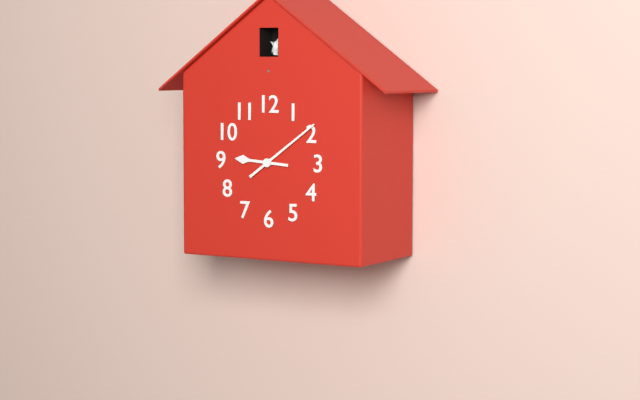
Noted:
9:09
